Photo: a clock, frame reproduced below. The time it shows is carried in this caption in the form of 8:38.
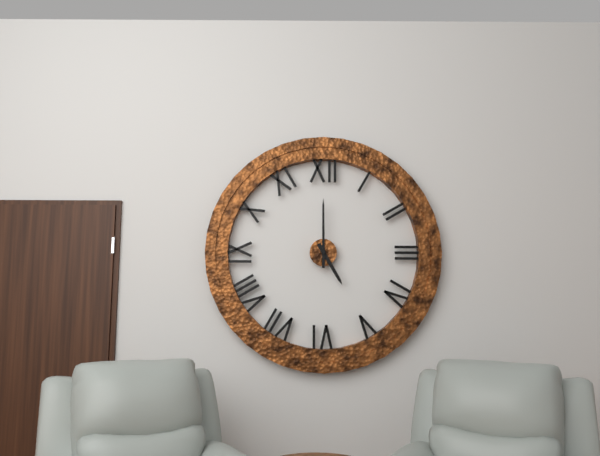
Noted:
5:00
